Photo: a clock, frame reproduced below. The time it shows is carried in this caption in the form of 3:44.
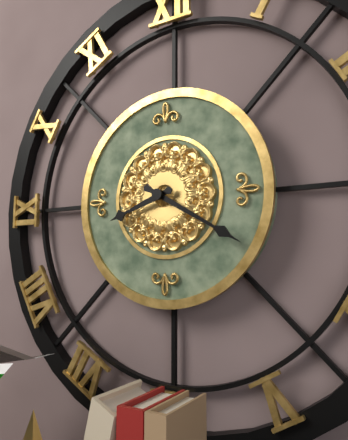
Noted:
8:20
